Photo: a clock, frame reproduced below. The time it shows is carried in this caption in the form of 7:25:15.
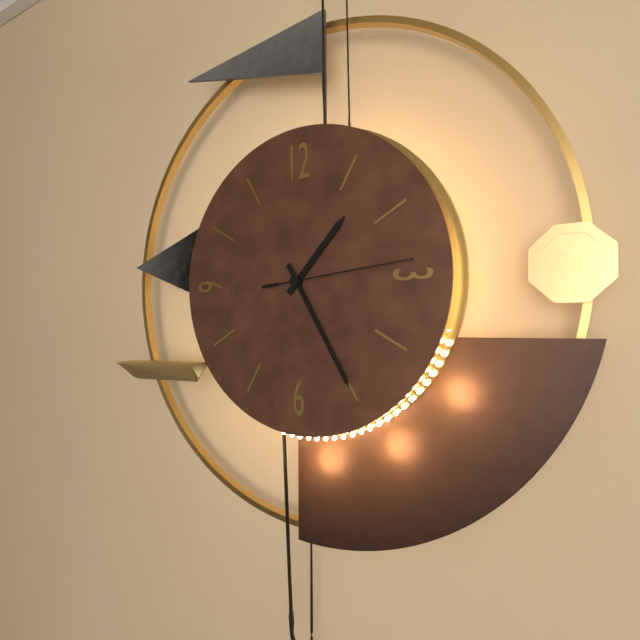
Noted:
1:25:14
